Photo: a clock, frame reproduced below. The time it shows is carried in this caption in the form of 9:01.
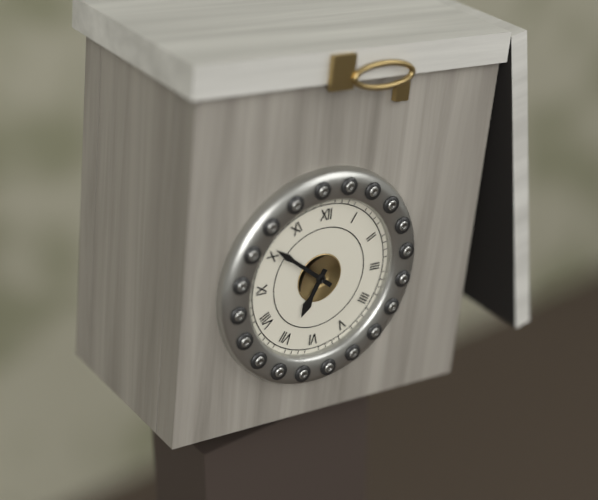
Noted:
6:51
